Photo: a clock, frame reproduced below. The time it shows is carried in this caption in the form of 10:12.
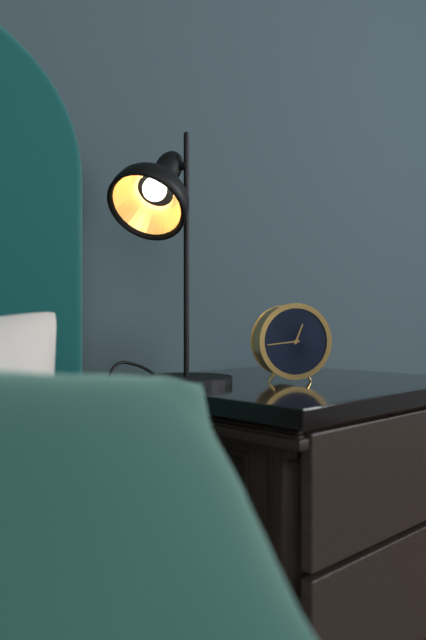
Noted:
12:44
